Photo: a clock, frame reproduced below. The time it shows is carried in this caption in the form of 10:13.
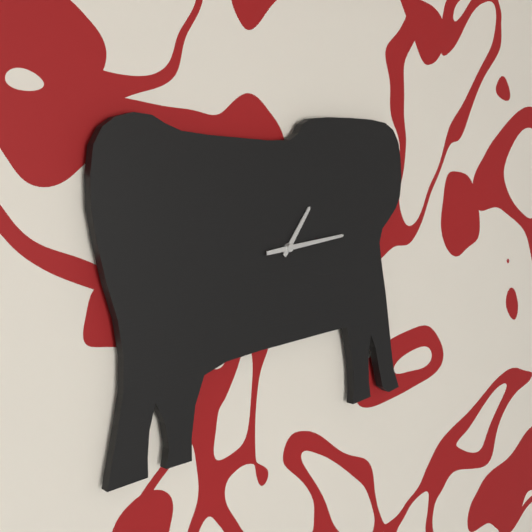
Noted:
1:14
